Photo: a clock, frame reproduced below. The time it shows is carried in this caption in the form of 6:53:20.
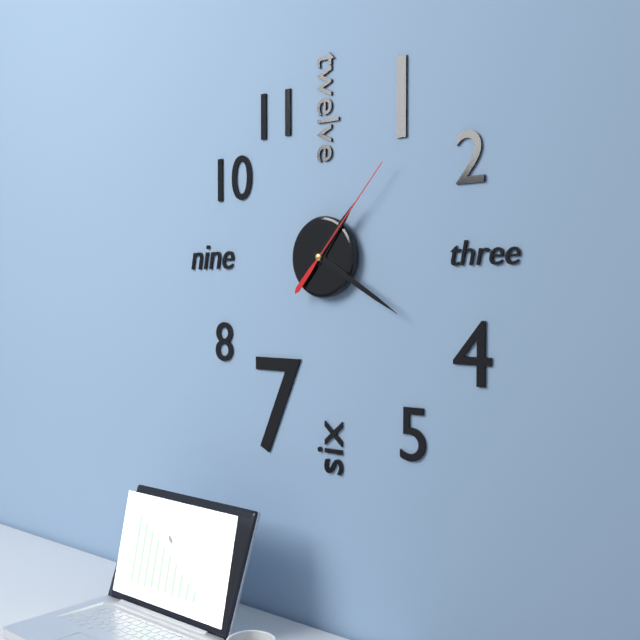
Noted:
1:20:07
